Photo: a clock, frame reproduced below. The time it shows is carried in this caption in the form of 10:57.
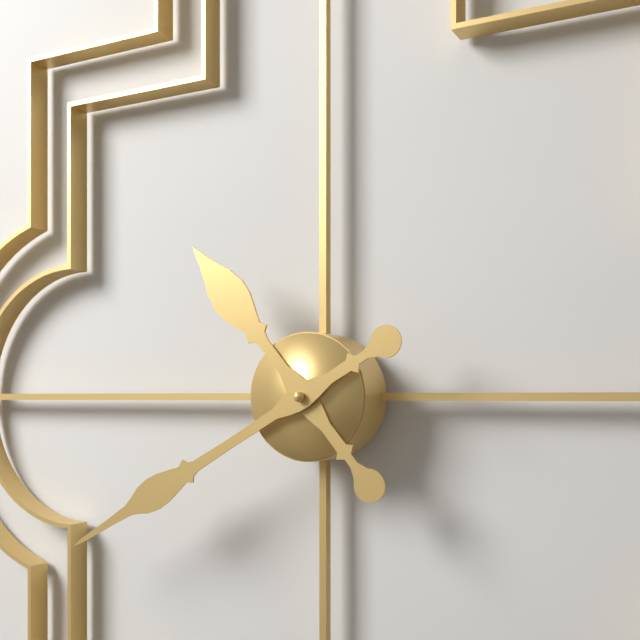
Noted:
10:40
